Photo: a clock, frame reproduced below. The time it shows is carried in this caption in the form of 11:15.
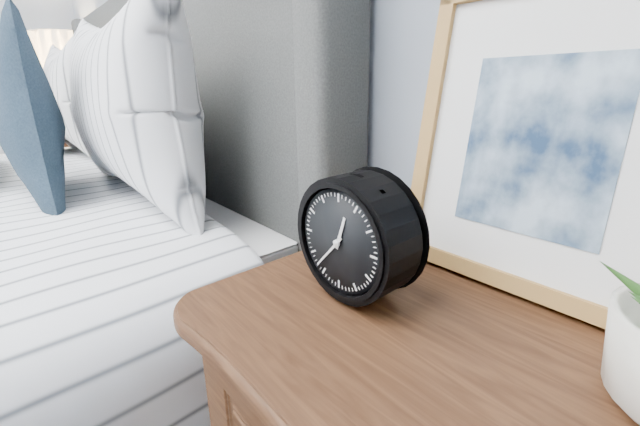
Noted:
12:37
